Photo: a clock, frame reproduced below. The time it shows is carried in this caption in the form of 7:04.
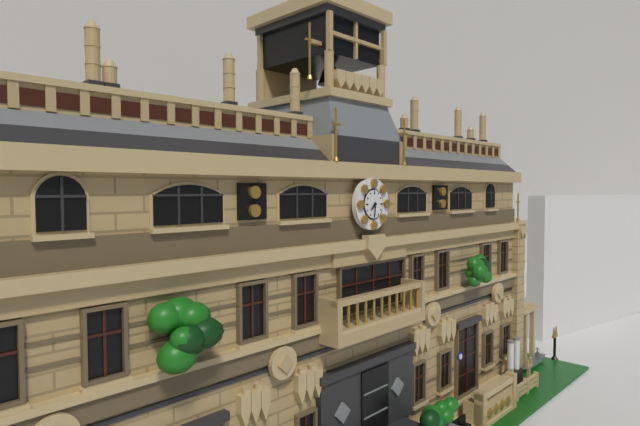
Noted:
7:31
